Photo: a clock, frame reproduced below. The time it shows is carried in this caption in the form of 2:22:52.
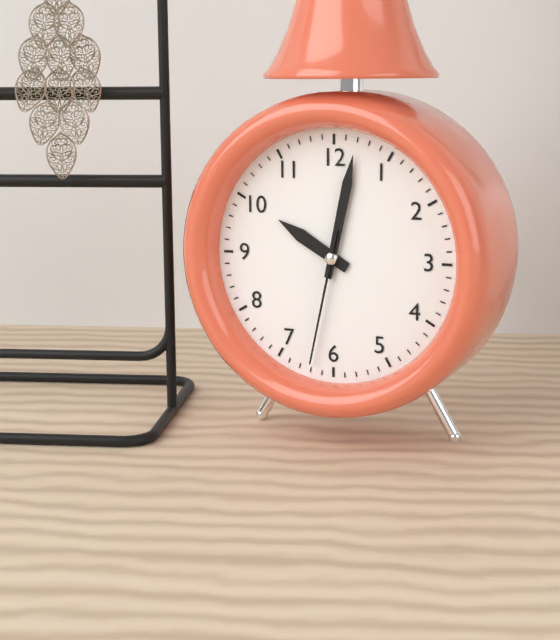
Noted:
10:02:32
